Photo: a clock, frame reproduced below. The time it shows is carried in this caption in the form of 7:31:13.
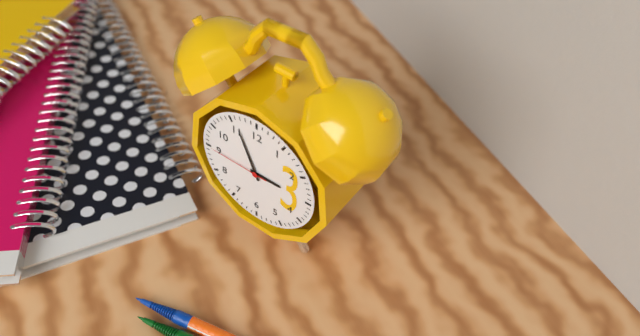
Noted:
2:56:45
